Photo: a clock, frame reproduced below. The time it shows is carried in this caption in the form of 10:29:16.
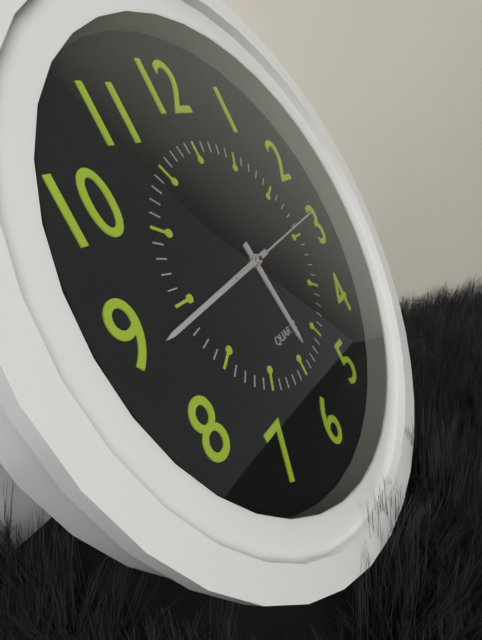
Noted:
5:44:14
